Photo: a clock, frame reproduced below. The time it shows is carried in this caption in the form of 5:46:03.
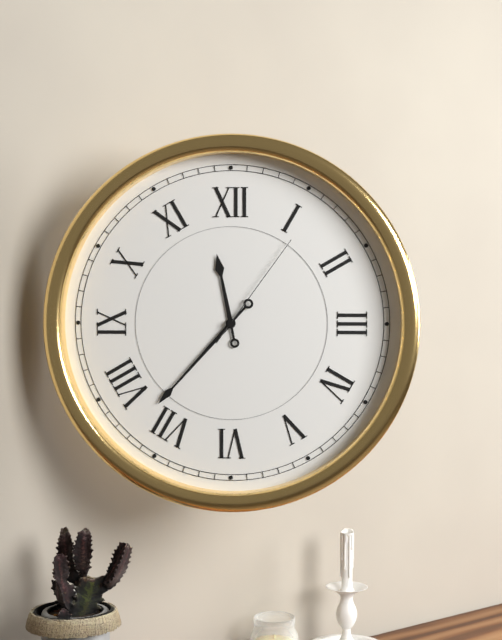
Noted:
11:37:06
